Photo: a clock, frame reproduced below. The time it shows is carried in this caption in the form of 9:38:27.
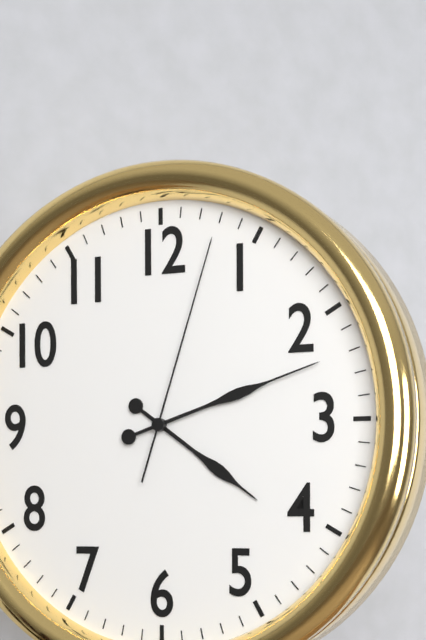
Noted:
4:12:03
